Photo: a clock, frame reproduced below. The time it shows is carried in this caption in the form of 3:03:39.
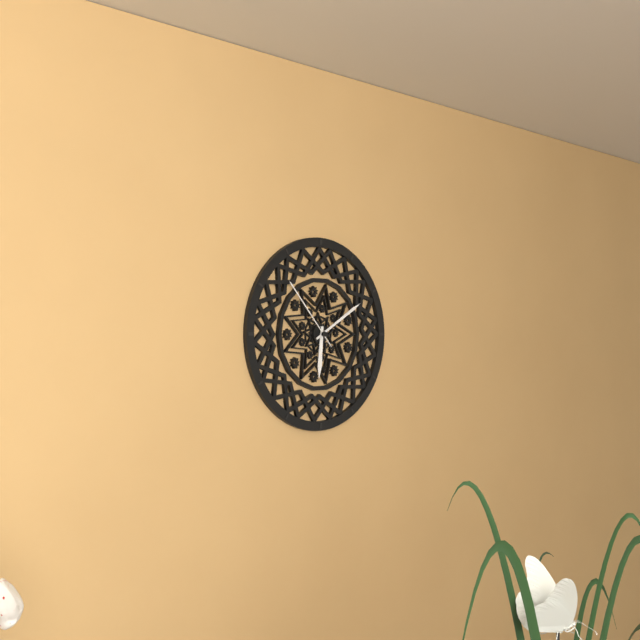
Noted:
6:10:53
